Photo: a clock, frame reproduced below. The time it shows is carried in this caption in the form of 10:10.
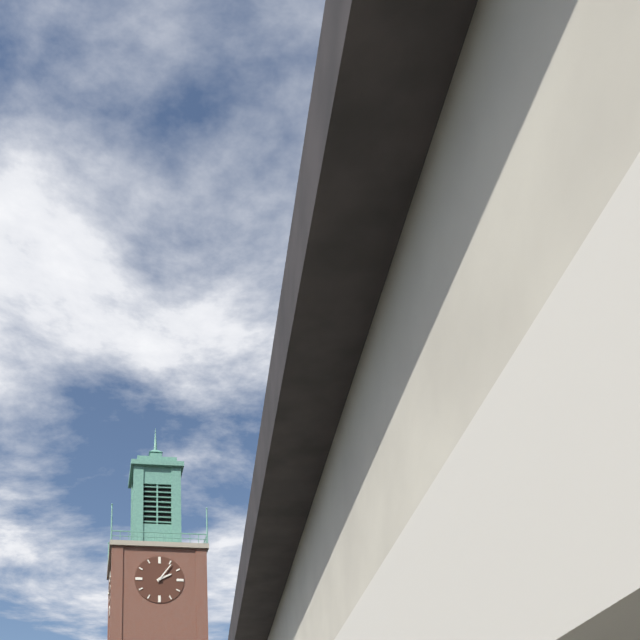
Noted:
2:06
